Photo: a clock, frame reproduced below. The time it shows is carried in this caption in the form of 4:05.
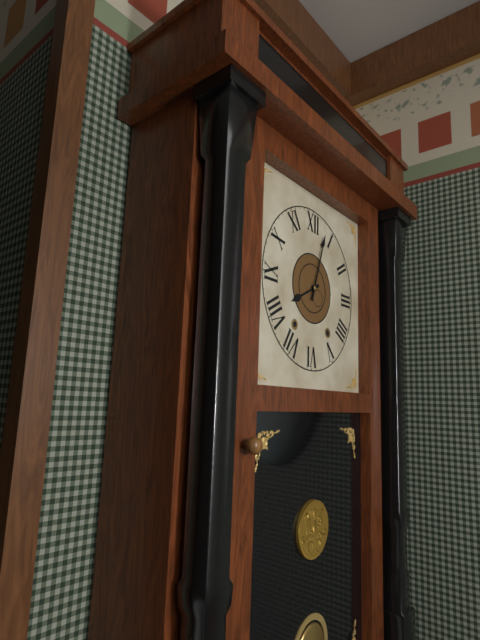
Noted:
8:03
